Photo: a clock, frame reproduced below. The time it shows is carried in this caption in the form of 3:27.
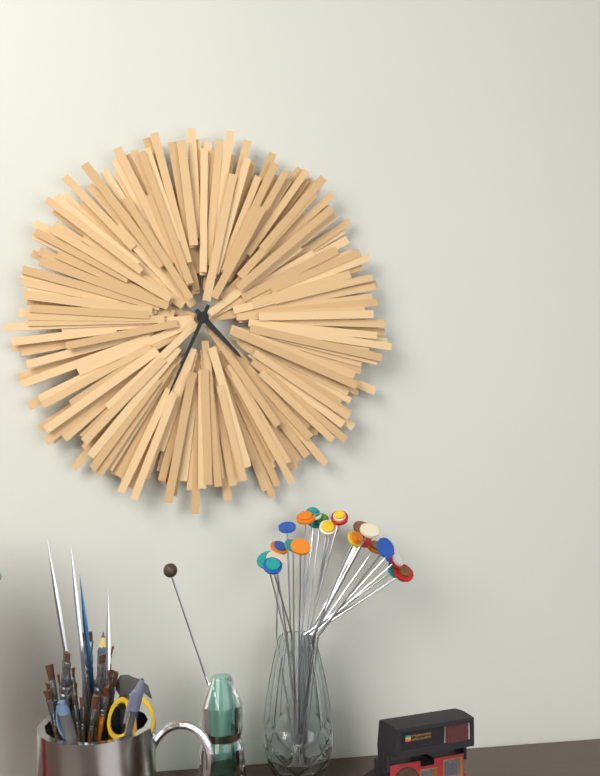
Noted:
4:34
